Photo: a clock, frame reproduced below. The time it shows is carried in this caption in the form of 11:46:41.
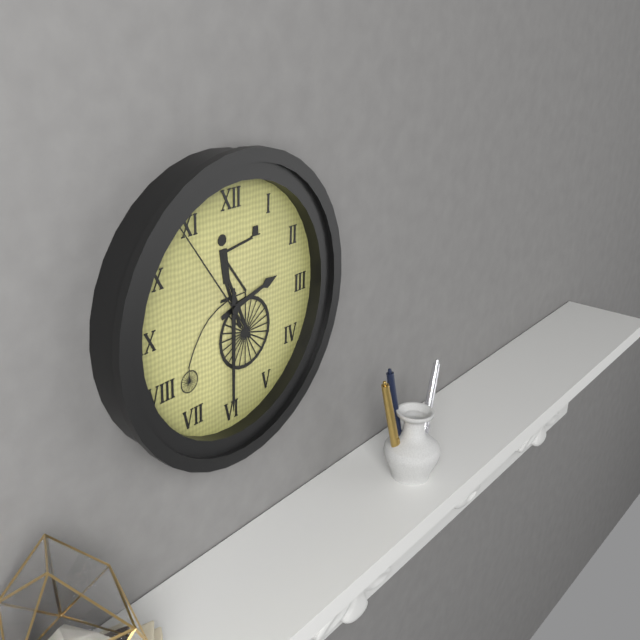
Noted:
2:30:54
